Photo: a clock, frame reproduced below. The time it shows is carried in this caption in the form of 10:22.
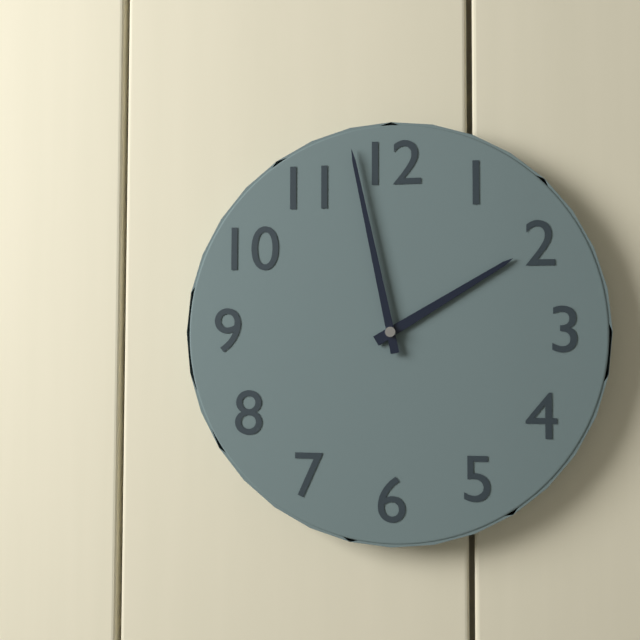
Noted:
1:58
